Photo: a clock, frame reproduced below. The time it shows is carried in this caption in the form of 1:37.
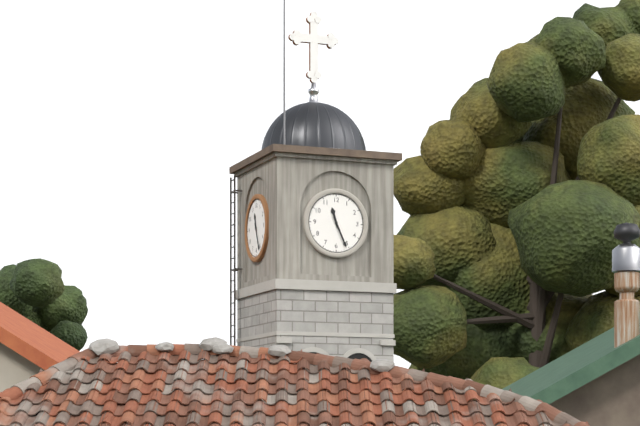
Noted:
11:26
